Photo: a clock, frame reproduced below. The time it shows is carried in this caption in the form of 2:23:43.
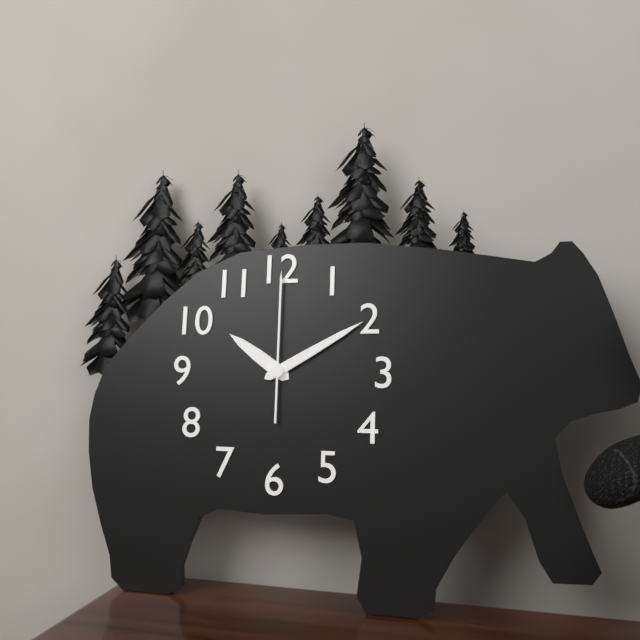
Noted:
10:10:00
